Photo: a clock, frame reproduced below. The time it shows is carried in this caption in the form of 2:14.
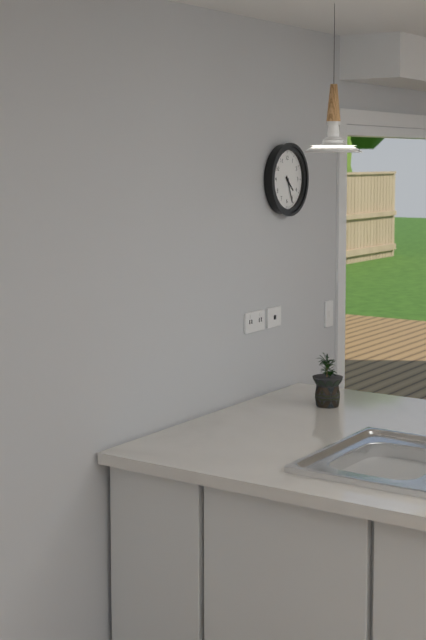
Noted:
4:26
